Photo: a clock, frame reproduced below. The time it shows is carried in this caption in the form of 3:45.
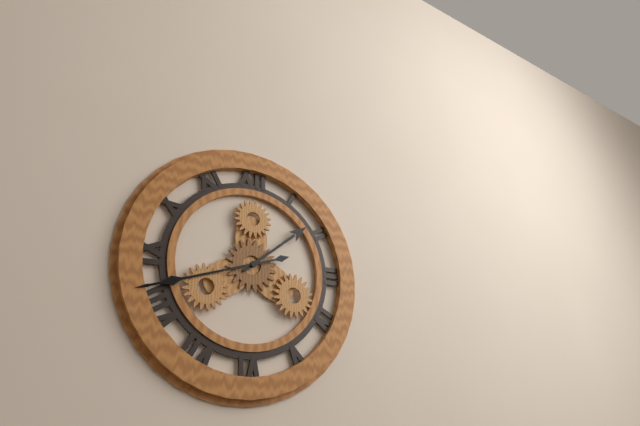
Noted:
1:42
